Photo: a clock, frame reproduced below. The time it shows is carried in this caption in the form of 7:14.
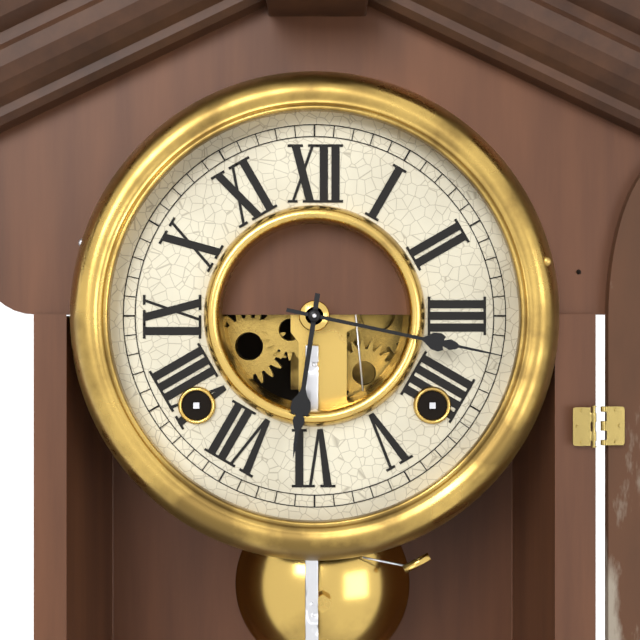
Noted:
6:17
